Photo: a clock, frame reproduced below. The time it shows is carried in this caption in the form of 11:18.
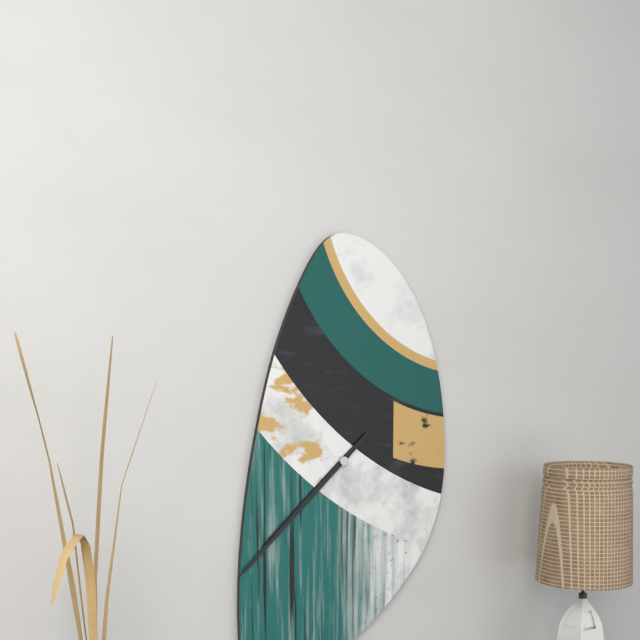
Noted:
7:38
